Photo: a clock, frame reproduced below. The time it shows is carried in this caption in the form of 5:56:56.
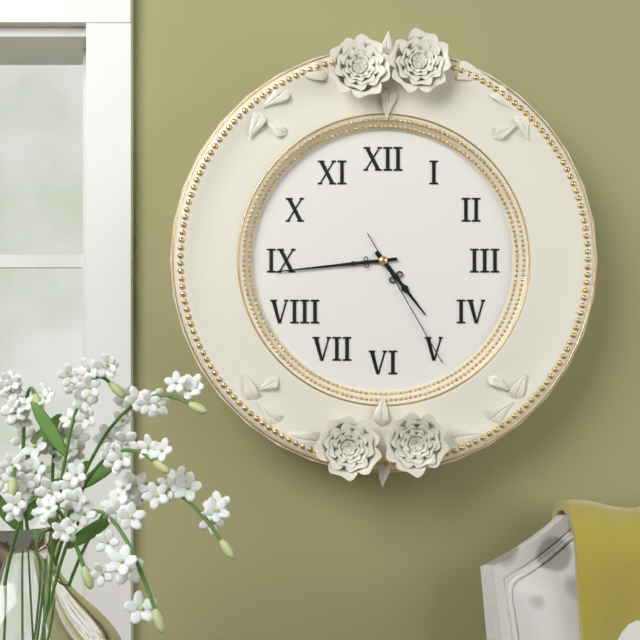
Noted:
4:44:25
